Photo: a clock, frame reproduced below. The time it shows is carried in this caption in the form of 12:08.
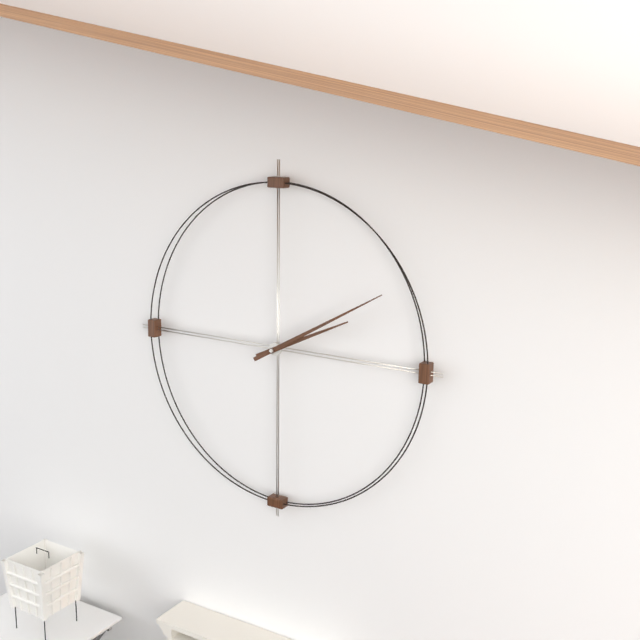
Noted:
2:10
